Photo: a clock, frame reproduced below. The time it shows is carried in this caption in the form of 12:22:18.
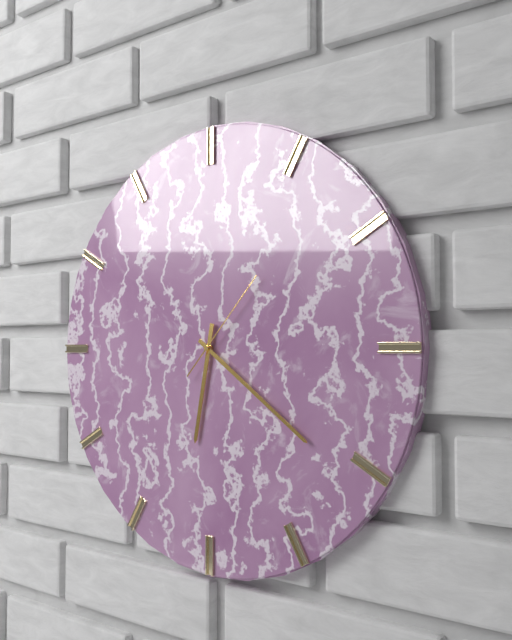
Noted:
6:21:07
